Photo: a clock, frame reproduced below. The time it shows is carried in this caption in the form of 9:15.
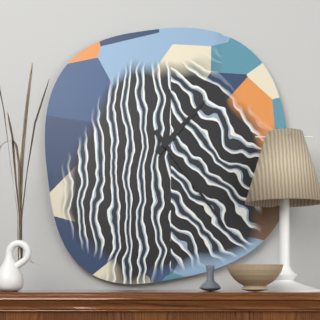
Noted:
1:24
